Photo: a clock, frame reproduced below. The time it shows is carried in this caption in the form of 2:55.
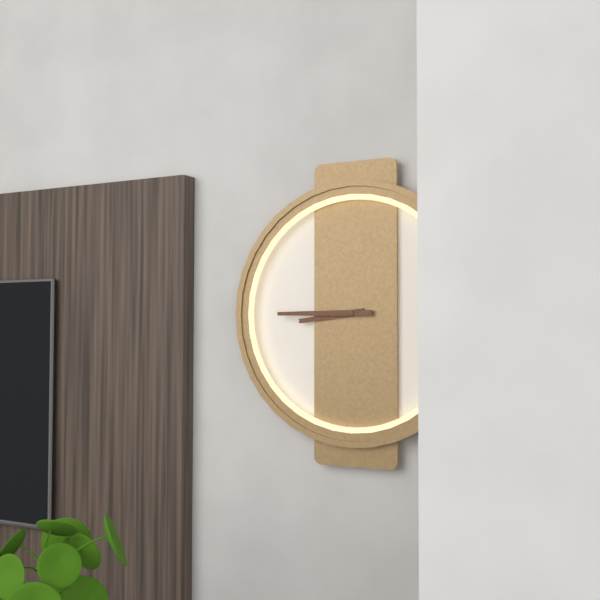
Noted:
8:45
